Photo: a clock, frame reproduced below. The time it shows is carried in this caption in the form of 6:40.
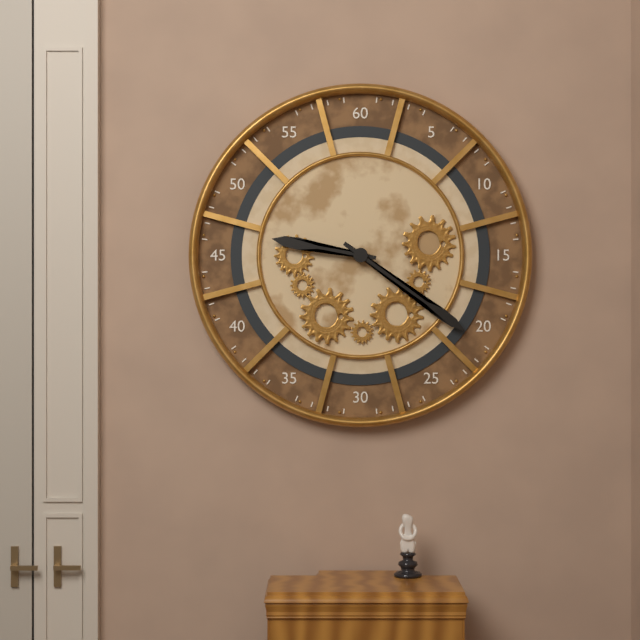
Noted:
9:21
